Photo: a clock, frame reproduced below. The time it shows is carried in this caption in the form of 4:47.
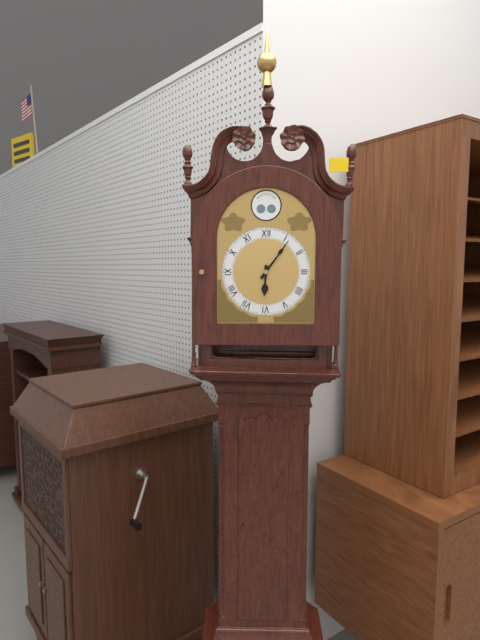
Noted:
6:06
